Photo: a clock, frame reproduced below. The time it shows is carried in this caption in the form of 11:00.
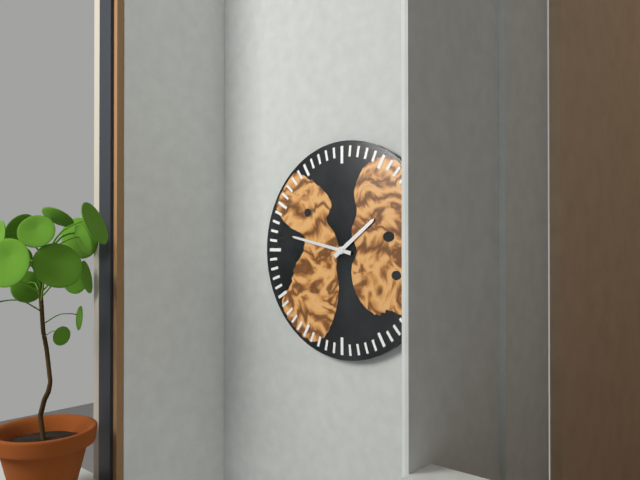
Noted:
1:47
